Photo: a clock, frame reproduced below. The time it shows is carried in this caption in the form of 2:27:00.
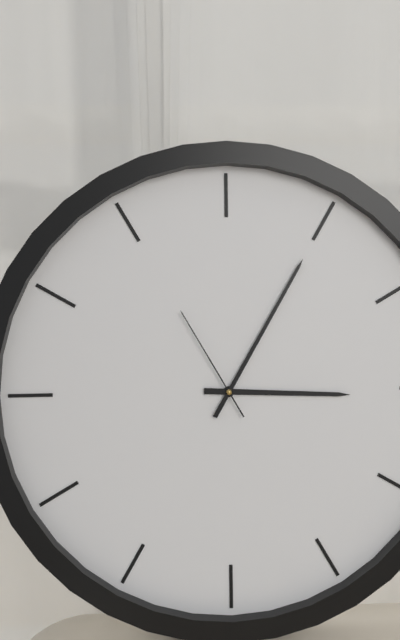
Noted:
3:05:55
